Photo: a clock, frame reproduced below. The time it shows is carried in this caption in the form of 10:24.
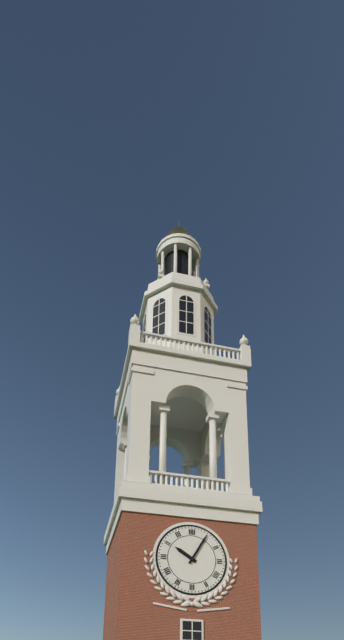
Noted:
10:05
